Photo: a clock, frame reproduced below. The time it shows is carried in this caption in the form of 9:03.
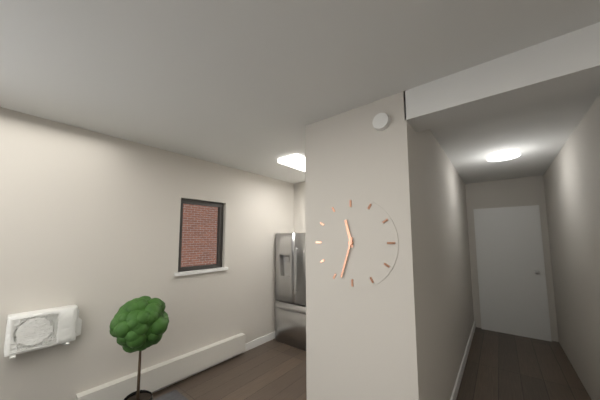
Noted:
11:33
